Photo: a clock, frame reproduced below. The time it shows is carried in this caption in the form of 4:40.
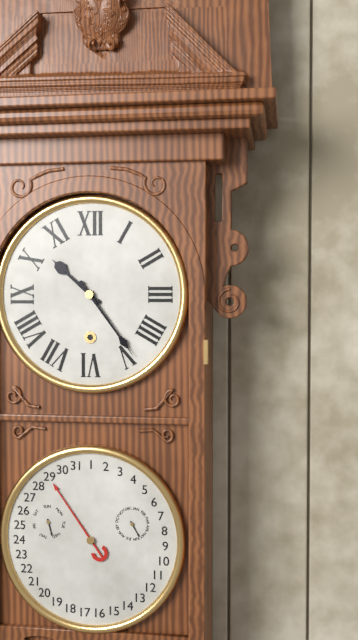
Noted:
10:24
